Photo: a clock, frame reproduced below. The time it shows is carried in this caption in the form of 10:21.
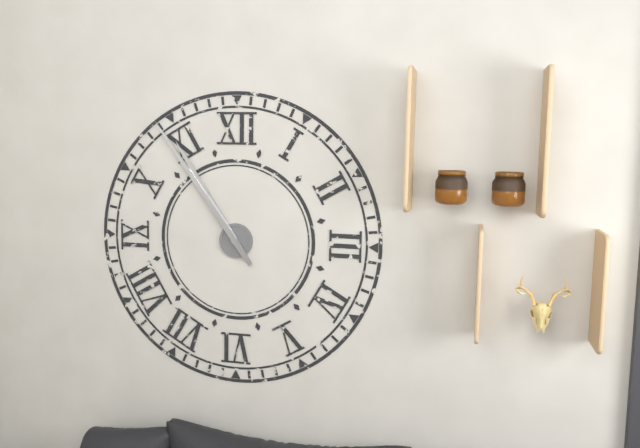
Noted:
10:54
